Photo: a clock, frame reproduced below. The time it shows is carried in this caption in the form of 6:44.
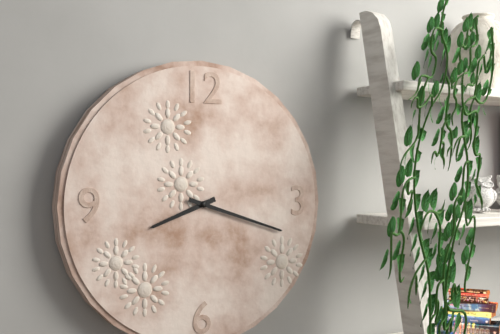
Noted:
8:18
